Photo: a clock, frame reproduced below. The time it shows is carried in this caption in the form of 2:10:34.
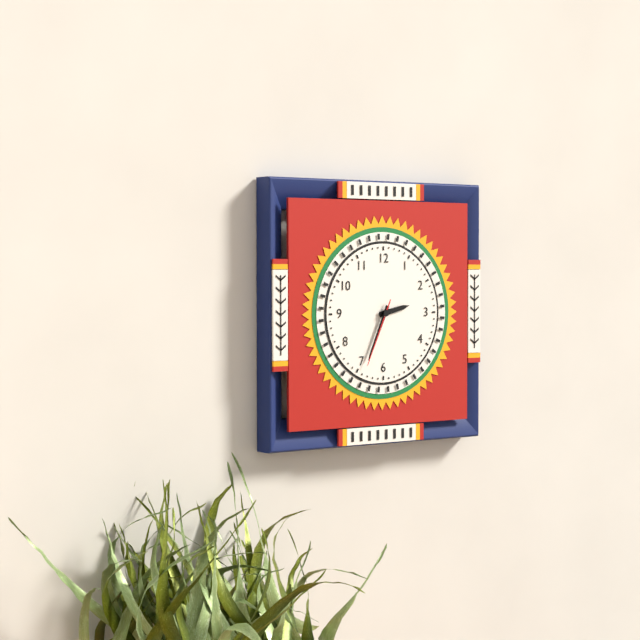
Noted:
2:34:34
